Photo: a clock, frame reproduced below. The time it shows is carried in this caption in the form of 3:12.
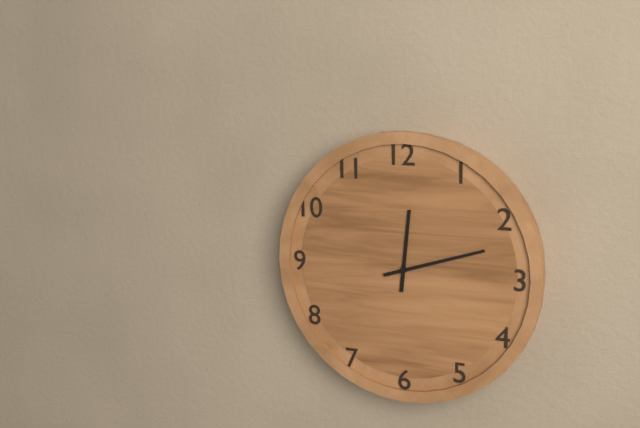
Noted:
12:12
